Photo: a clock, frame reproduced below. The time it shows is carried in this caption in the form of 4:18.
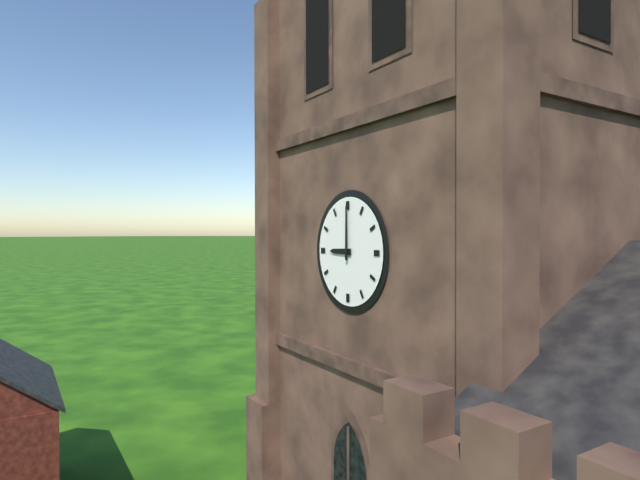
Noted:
9:00
